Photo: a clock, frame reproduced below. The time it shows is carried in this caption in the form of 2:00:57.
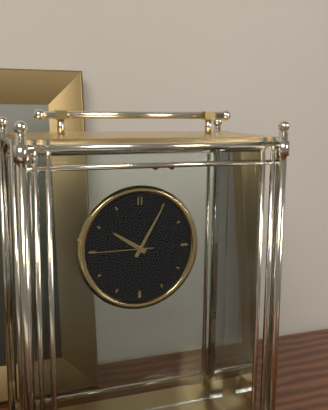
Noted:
10:05:45
